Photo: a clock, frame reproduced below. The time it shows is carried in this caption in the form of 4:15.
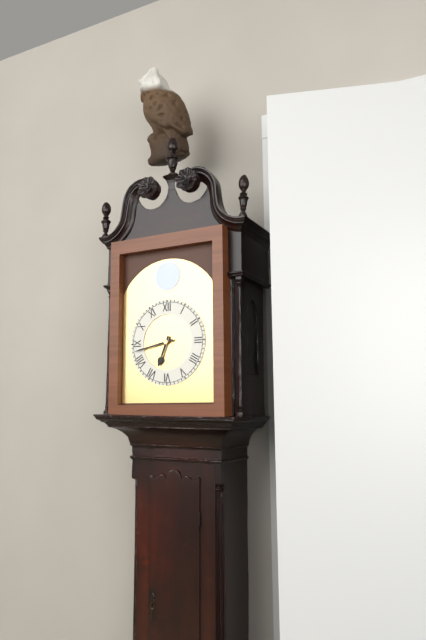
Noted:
6:43
